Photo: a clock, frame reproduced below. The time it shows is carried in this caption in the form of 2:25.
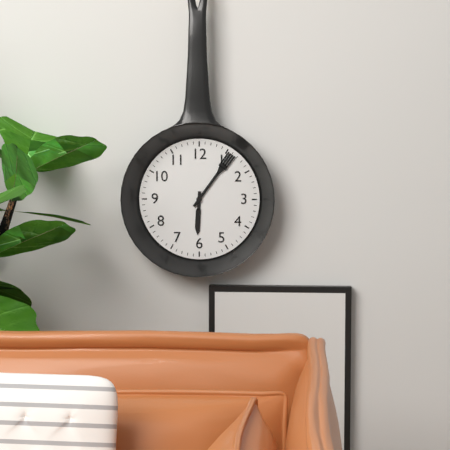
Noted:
6:06
